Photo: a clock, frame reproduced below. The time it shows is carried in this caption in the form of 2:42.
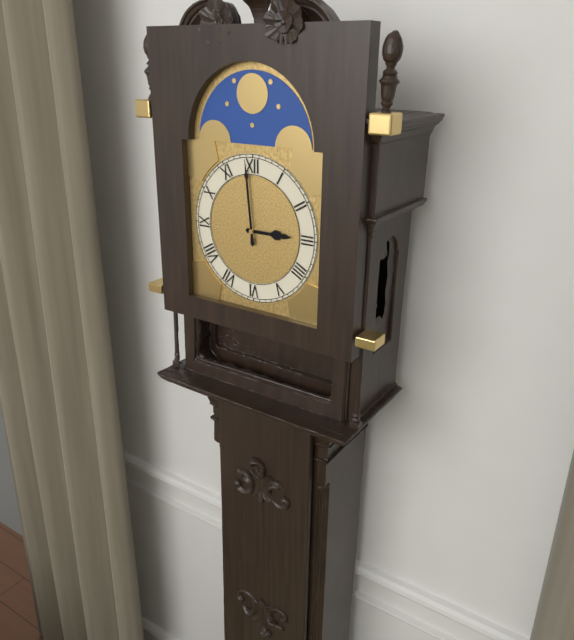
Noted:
2:59
